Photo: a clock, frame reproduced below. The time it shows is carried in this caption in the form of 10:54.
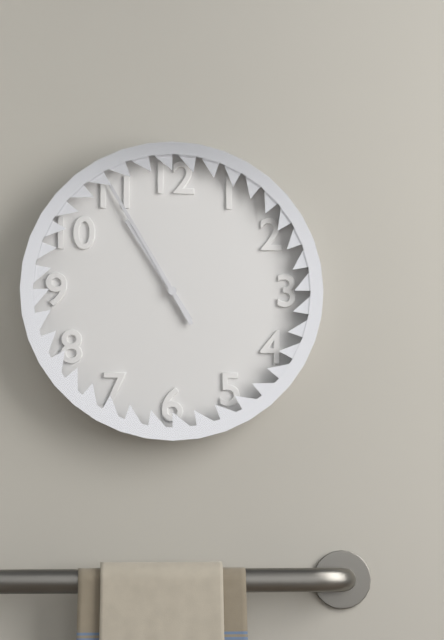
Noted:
10:55
